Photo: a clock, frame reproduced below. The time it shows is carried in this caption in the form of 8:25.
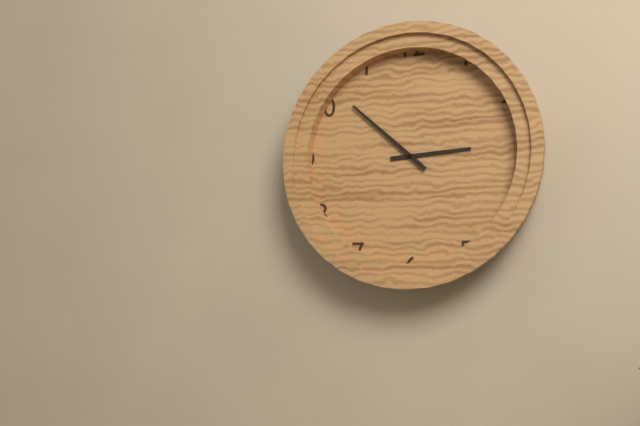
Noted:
2:52
